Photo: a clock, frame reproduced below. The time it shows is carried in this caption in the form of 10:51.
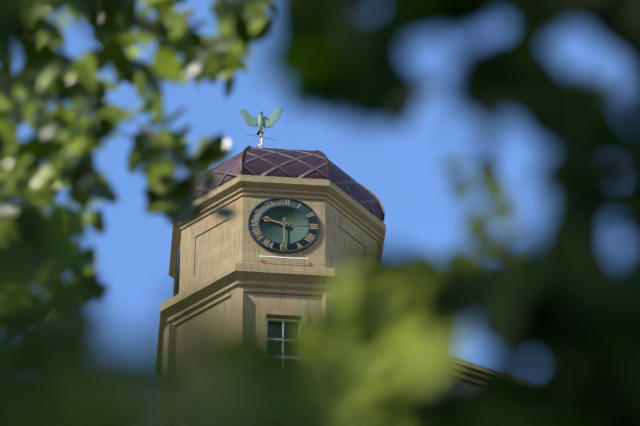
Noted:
9:30
